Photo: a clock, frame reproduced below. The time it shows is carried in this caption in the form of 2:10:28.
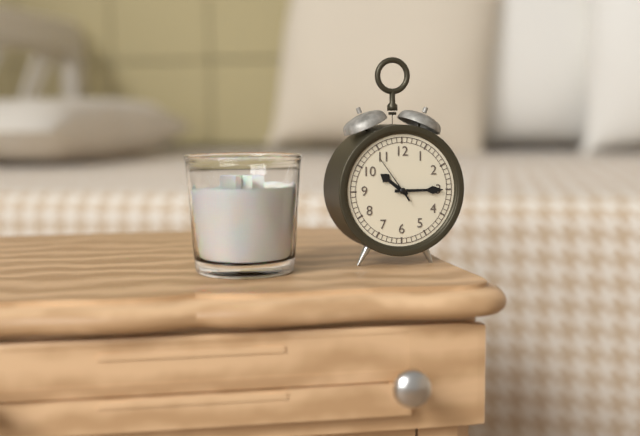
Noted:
10:15:54
